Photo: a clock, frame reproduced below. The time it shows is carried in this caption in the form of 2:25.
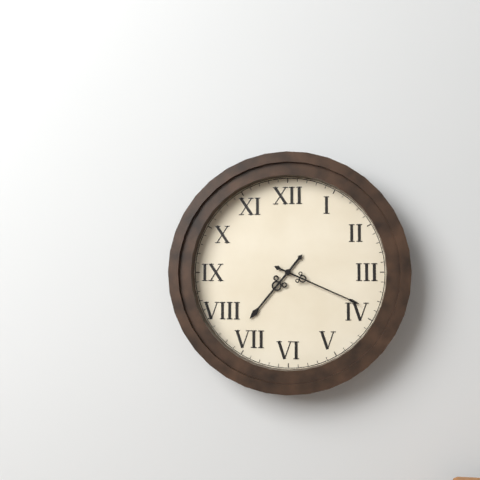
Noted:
7:19
